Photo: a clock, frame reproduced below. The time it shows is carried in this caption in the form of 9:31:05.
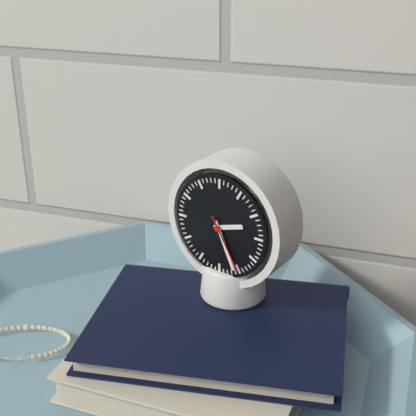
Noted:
2:26:25
